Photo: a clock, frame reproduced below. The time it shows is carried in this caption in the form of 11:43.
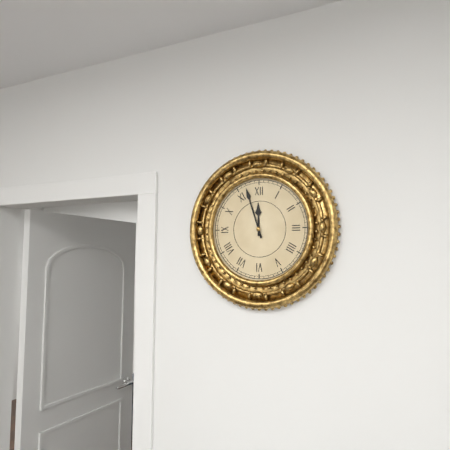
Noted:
11:57
